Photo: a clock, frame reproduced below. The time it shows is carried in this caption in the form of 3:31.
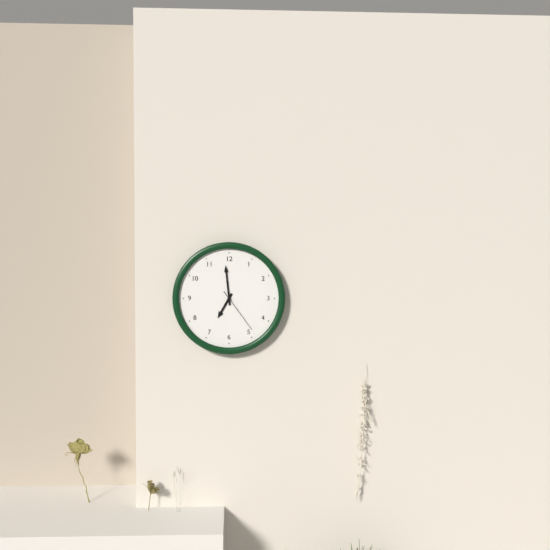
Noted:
6:59
